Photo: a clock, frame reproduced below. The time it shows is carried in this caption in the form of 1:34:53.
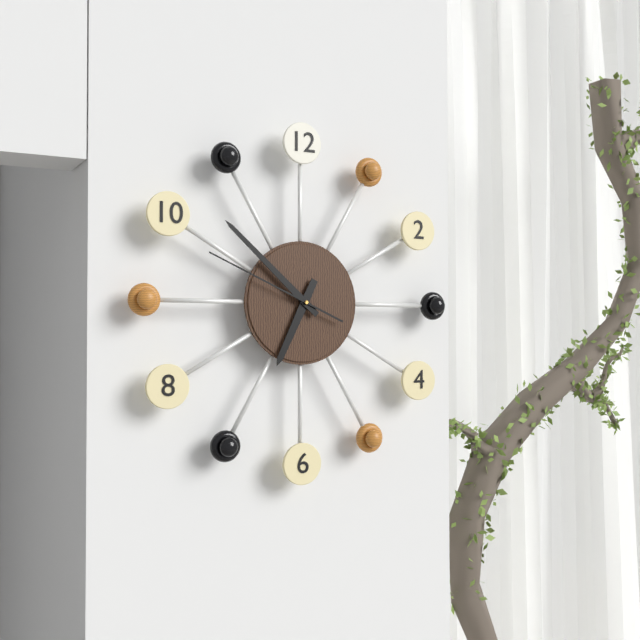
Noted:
6:52:49
